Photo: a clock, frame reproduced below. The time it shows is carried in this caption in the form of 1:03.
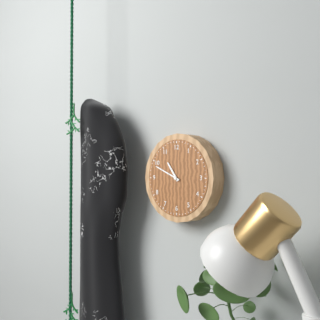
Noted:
10:49
